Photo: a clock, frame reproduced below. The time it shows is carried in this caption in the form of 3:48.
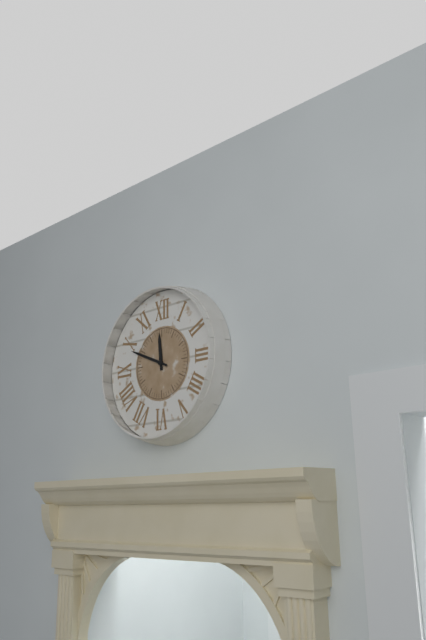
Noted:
11:49
